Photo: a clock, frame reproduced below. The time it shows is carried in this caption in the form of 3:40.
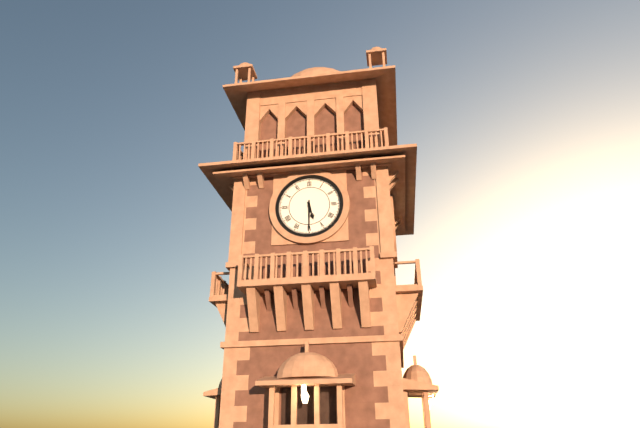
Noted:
5:30
